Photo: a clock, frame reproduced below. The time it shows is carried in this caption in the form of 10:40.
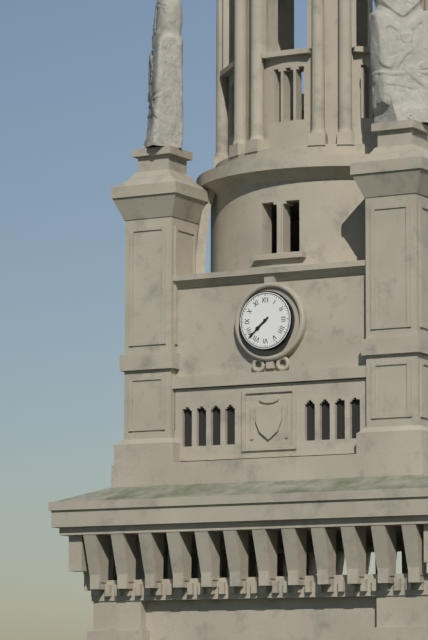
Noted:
7:38
